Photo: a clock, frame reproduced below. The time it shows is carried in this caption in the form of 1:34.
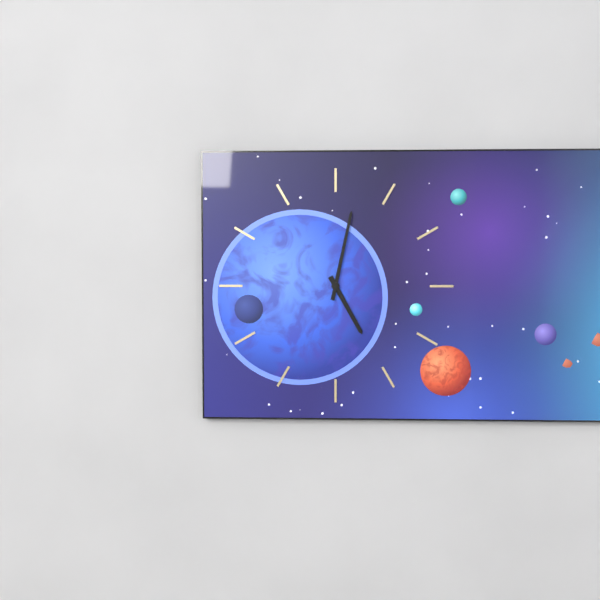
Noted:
5:02
